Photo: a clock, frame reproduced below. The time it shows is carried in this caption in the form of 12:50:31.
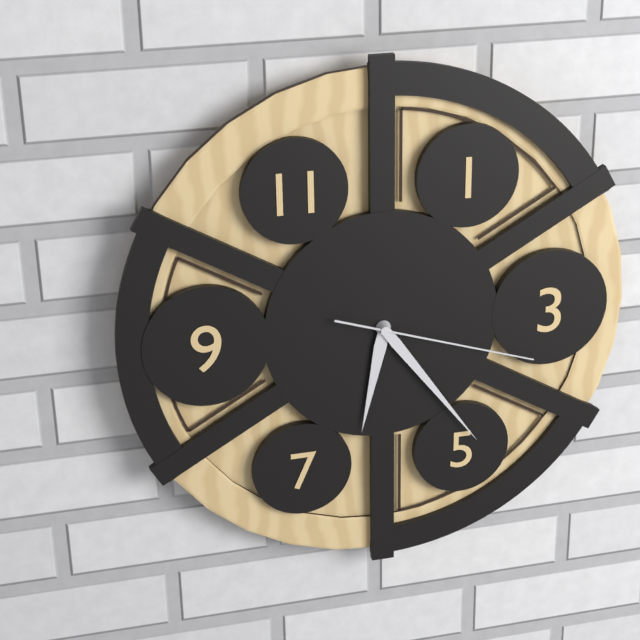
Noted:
6:24:18
